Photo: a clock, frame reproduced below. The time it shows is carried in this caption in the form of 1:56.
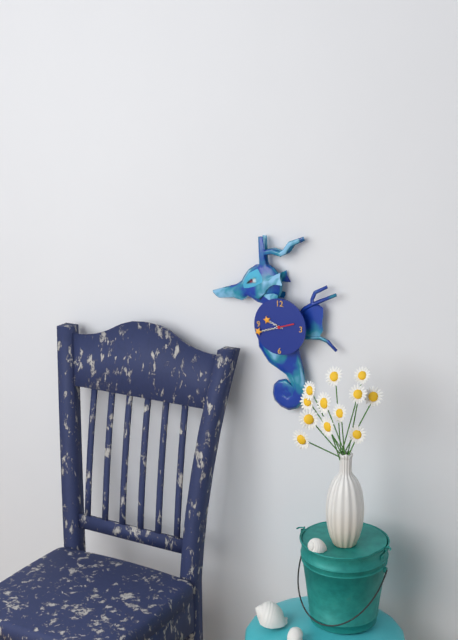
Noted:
9:42
